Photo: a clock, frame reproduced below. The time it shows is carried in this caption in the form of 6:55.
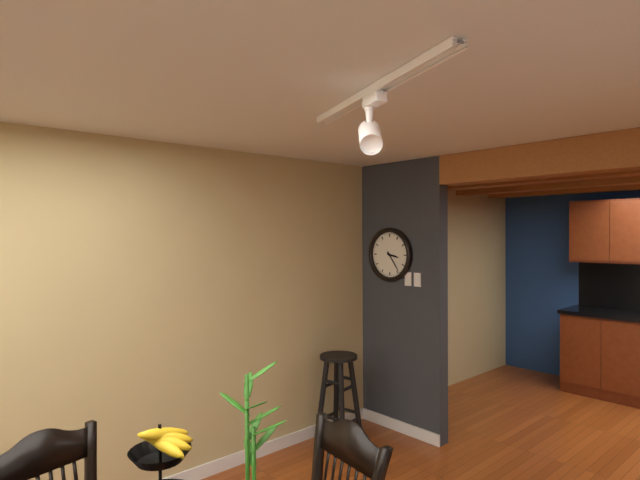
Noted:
3:24
